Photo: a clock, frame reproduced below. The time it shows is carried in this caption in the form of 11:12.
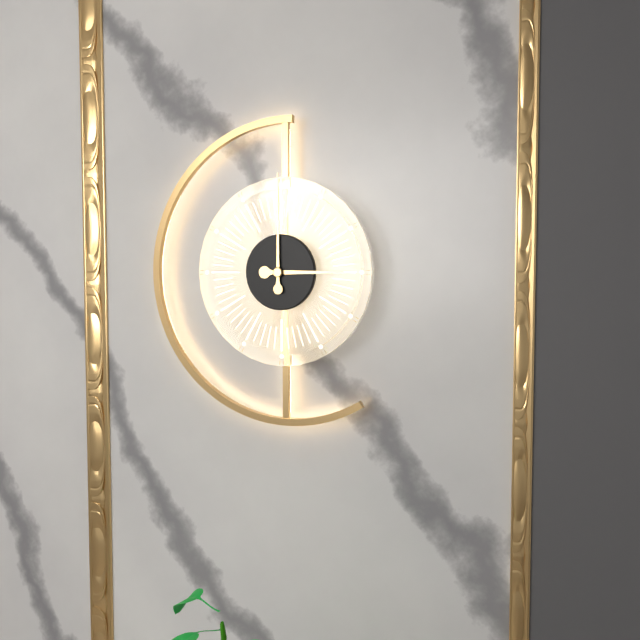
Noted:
3:00
